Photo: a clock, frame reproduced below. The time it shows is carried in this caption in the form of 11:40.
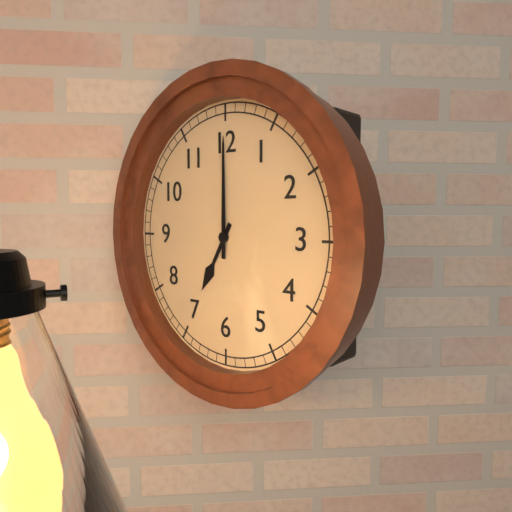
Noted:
7:00
